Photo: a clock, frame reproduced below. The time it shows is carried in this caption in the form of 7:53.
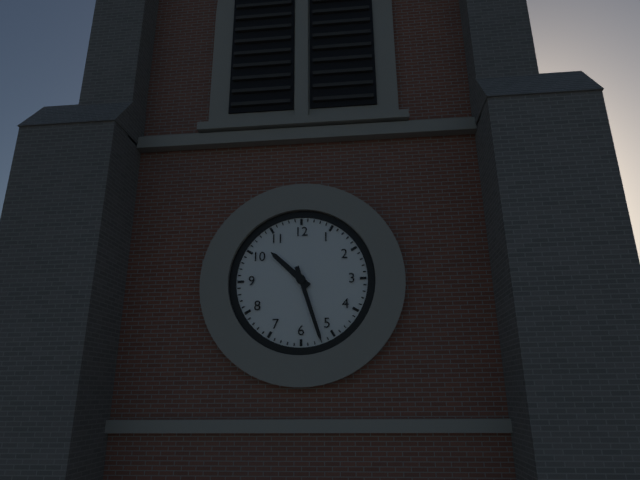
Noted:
10:27
